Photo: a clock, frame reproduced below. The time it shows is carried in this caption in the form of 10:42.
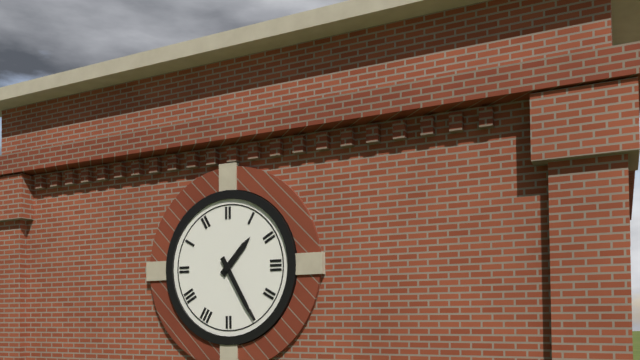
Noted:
1:25
